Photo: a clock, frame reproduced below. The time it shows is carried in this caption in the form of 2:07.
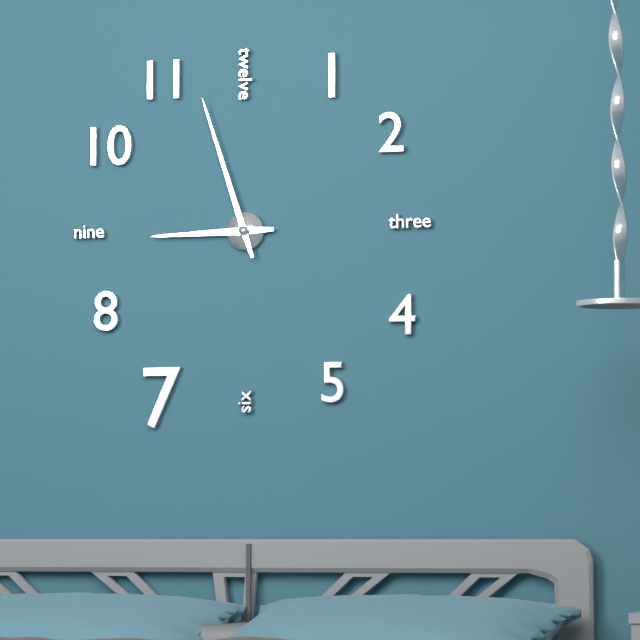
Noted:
8:57
